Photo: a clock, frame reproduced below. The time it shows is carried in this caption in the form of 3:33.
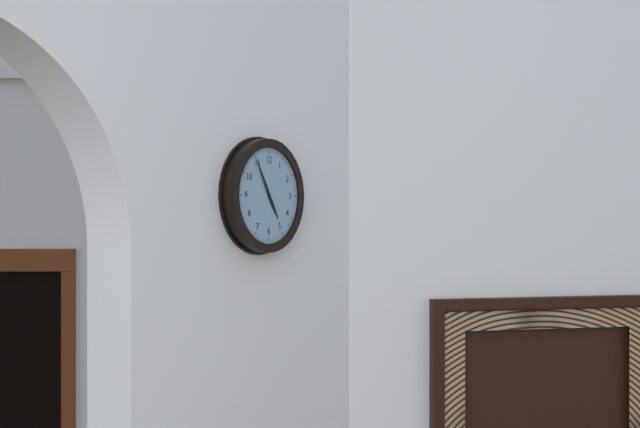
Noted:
4:55
